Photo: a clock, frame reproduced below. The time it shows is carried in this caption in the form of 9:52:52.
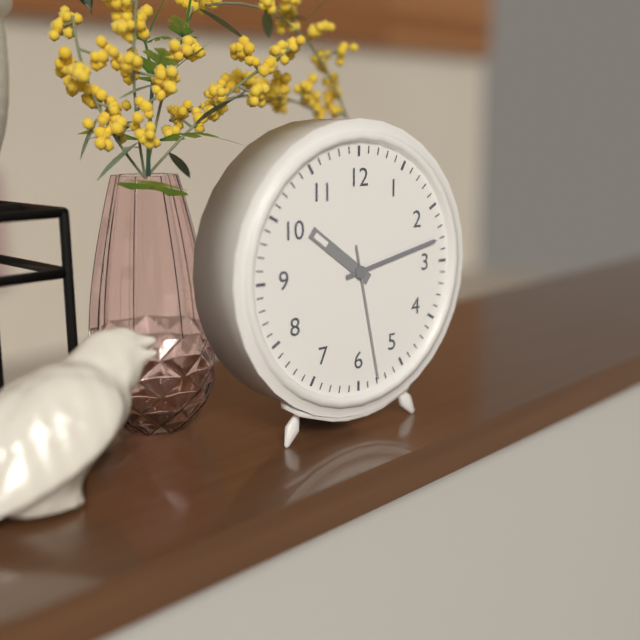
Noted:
10:13:28
